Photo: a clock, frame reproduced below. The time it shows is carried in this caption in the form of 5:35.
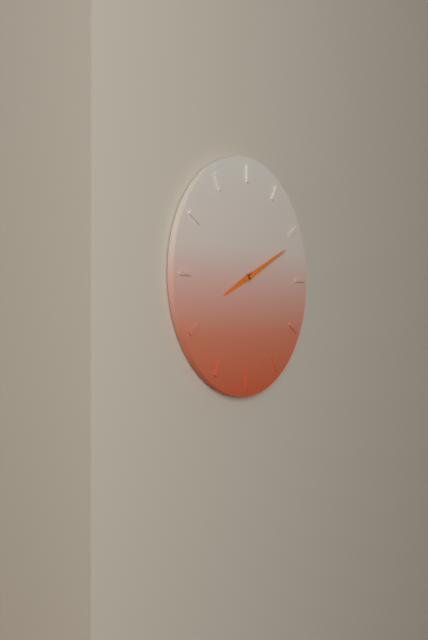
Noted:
8:11
